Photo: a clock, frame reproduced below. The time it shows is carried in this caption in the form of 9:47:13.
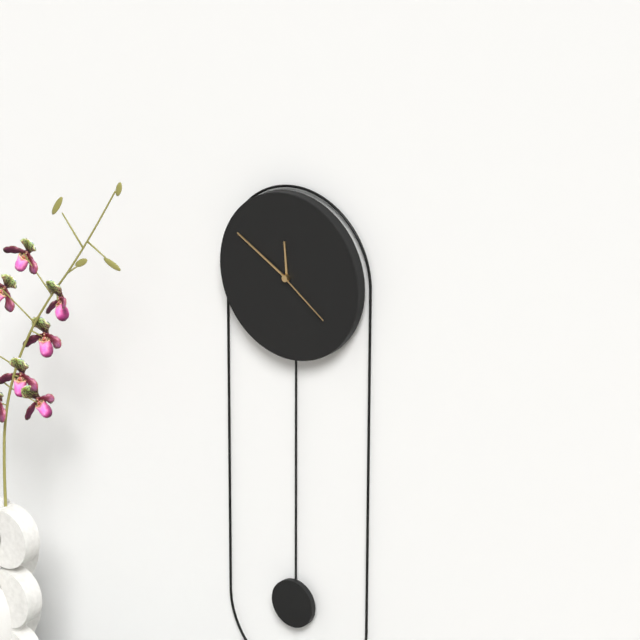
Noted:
11:50:21
